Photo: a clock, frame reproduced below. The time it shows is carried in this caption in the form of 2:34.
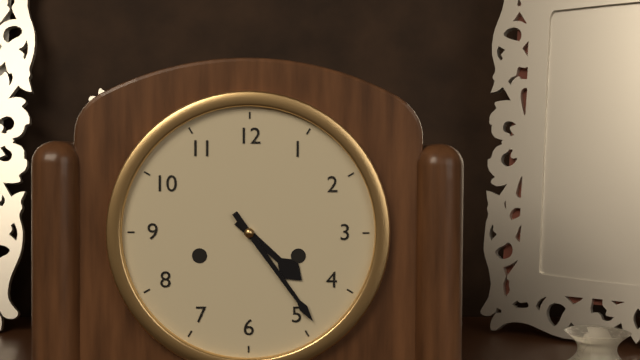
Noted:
4:24
